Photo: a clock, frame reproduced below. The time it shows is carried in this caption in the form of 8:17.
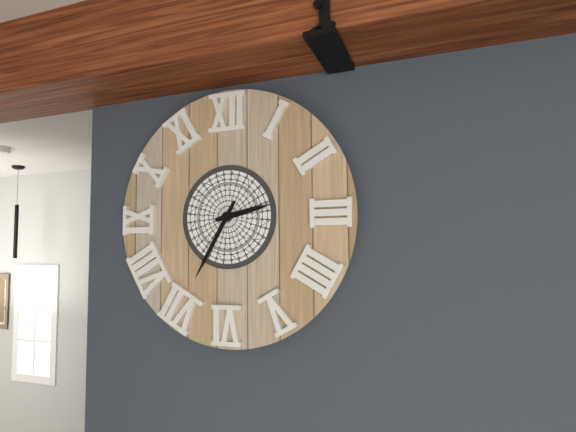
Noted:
2:35
